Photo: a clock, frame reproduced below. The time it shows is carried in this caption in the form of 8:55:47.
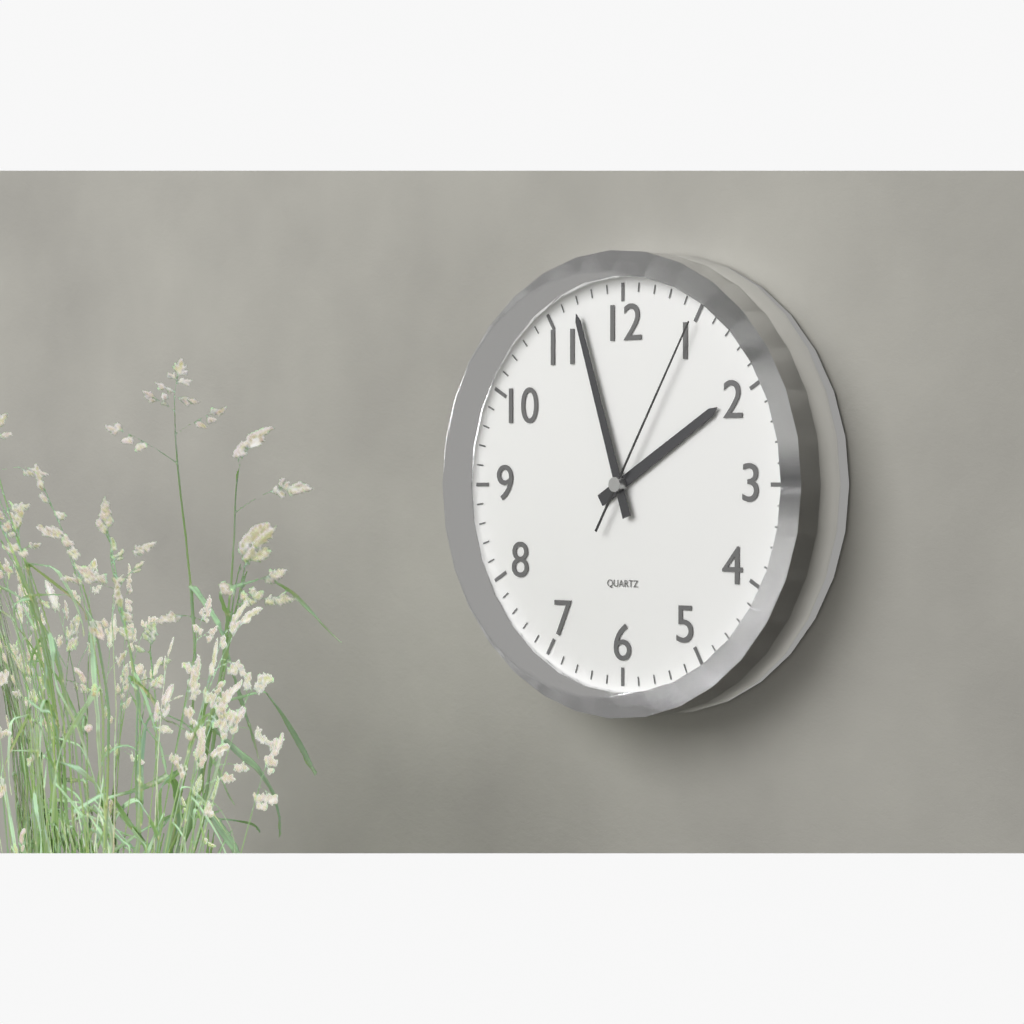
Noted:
1:57:05
